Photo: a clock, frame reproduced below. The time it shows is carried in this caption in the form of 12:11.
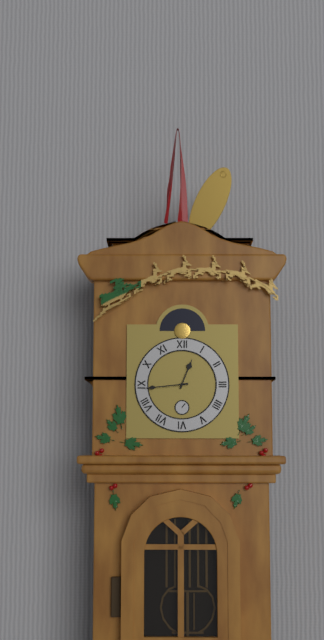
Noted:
12:44
